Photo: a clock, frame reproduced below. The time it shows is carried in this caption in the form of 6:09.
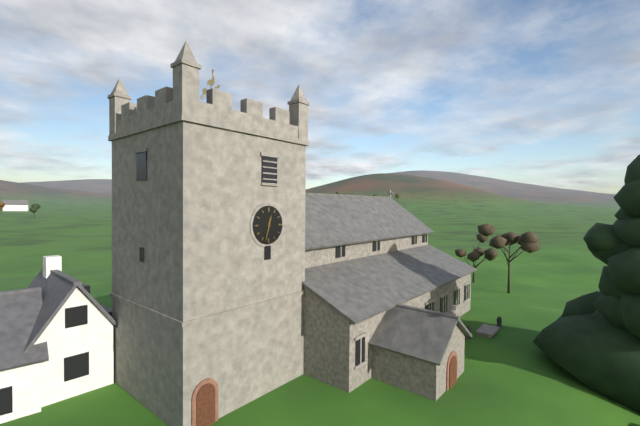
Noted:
12:33
